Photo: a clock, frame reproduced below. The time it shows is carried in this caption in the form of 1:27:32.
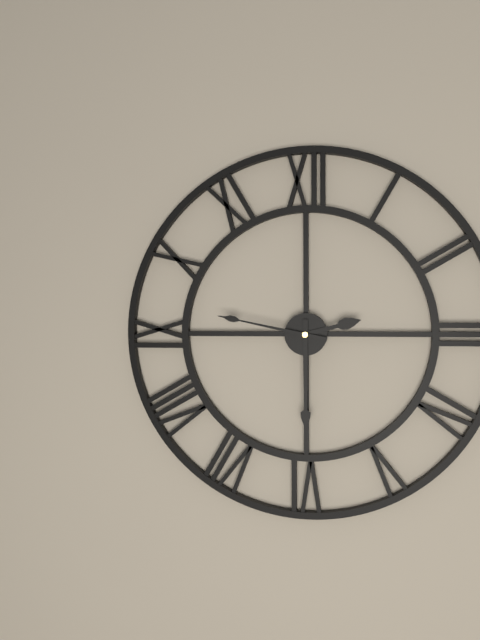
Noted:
2:30:47
